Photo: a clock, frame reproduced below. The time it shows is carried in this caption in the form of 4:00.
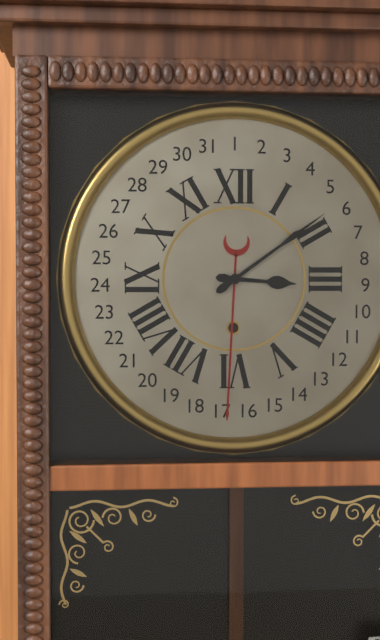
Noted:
3:09
